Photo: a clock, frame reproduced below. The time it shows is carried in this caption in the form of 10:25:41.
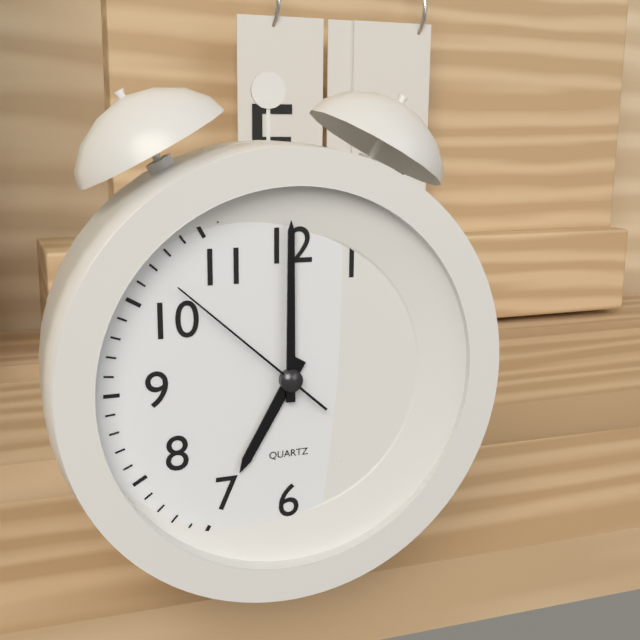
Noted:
7:00:52
